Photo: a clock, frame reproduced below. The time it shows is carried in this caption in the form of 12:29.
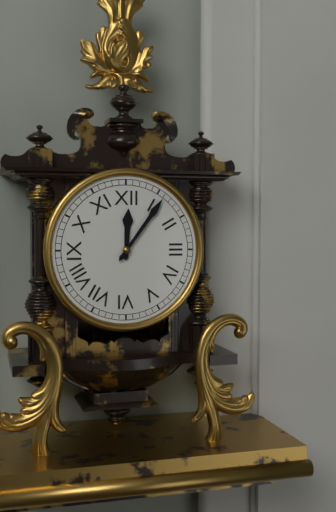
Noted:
12:06
